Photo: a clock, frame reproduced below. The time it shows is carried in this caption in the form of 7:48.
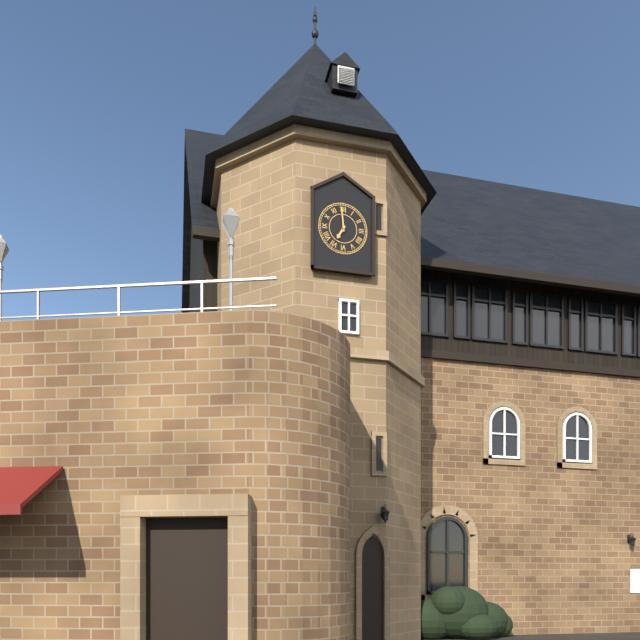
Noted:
6:59
